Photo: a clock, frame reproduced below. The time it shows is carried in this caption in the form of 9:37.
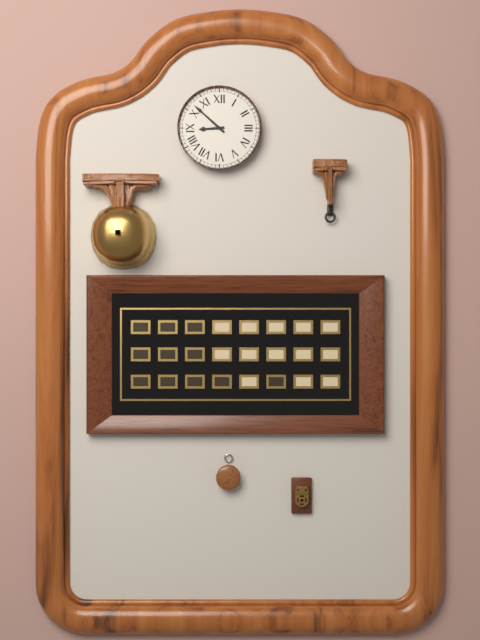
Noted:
8:52
